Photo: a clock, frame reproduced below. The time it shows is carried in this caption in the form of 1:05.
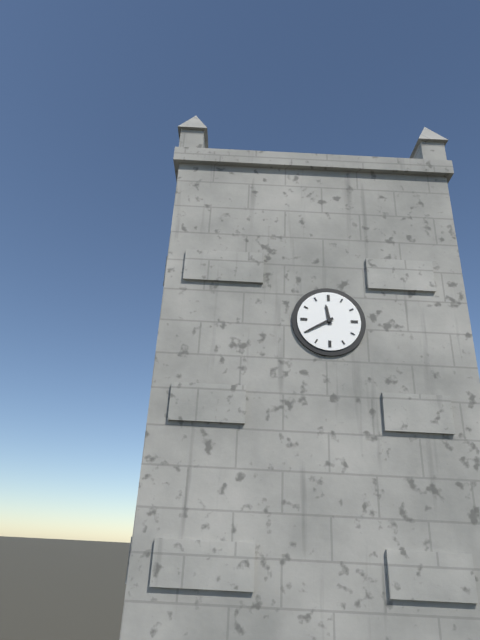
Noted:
11:40
